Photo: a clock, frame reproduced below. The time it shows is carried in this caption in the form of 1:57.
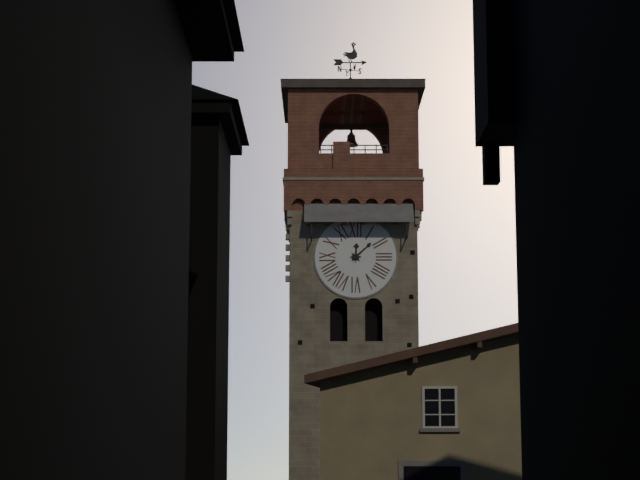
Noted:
12:08
